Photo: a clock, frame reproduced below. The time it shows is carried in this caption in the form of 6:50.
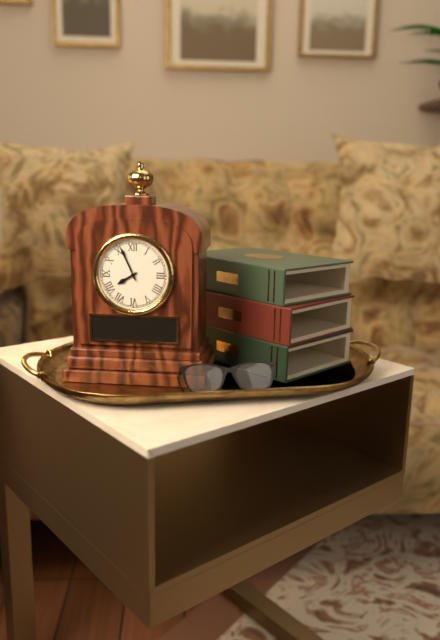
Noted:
7:56
